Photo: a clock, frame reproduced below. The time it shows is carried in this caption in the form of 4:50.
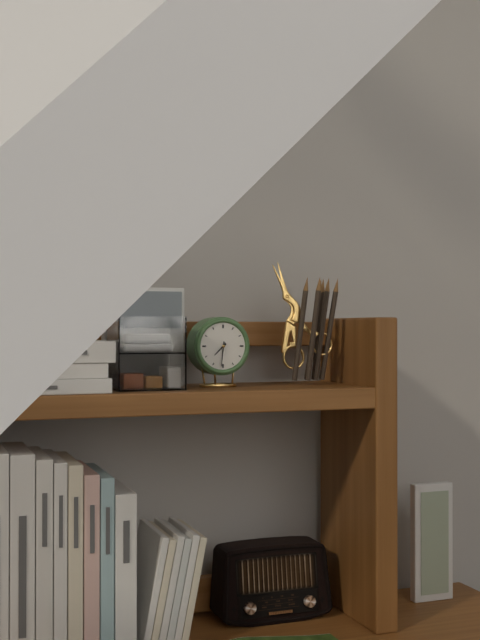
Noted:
7:31
